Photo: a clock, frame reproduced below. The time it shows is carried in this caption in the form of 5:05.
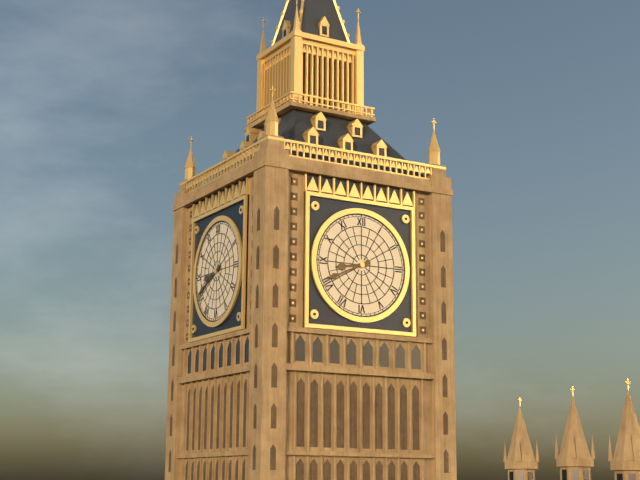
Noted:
8:41
